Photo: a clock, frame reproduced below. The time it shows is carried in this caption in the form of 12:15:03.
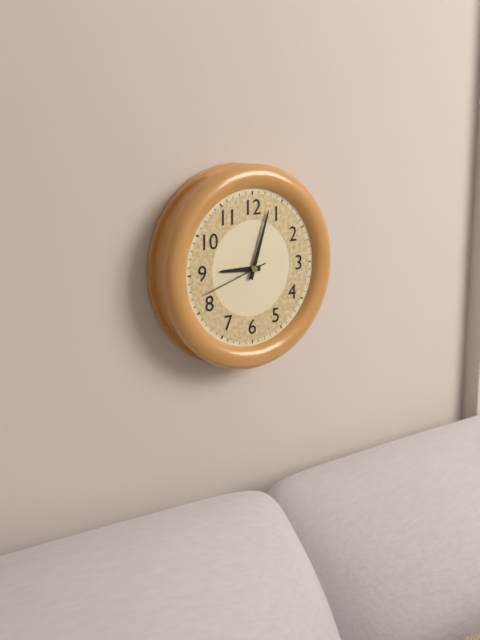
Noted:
9:03:42
